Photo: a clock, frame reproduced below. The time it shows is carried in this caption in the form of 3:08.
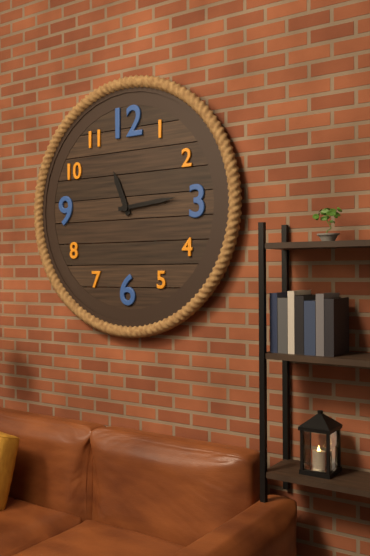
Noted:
11:14
